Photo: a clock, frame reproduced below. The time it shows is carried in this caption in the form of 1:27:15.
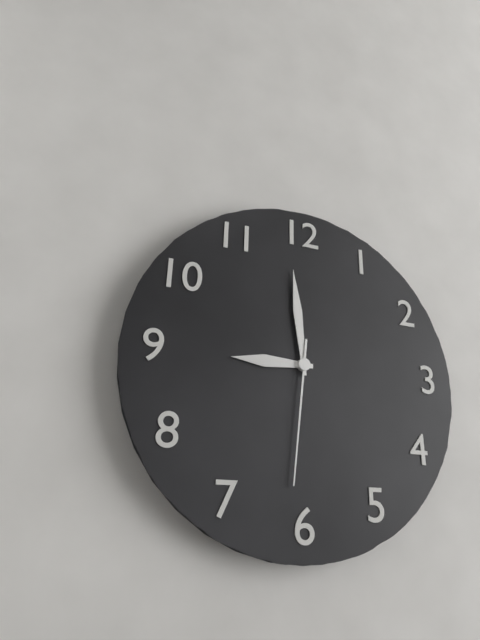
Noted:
8:59:31
